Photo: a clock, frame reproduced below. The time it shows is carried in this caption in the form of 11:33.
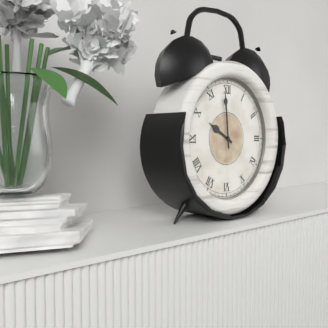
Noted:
9:59
